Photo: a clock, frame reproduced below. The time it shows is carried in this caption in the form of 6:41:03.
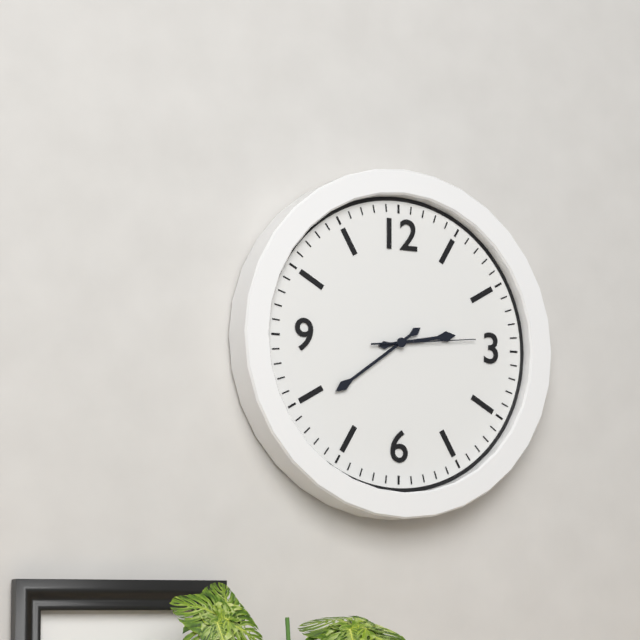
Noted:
2:39:14
